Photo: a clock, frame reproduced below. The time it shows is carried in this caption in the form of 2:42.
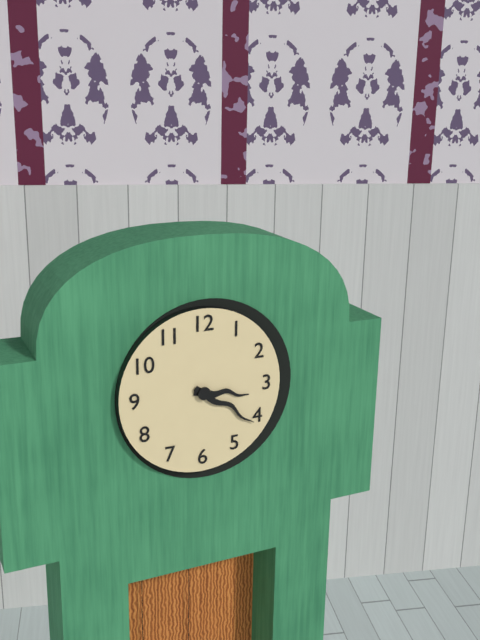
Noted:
3:21
